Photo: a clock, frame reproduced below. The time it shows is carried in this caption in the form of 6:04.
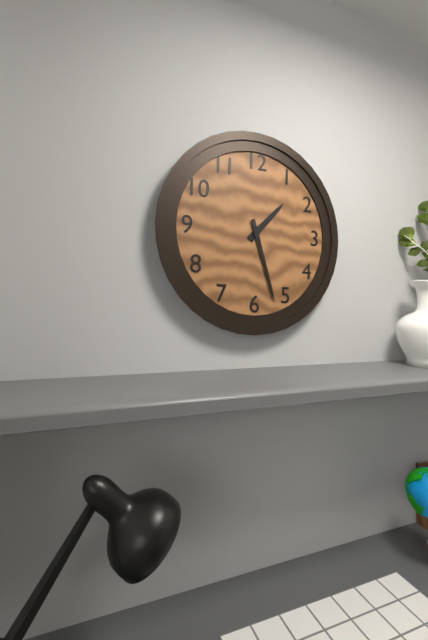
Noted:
1:27
